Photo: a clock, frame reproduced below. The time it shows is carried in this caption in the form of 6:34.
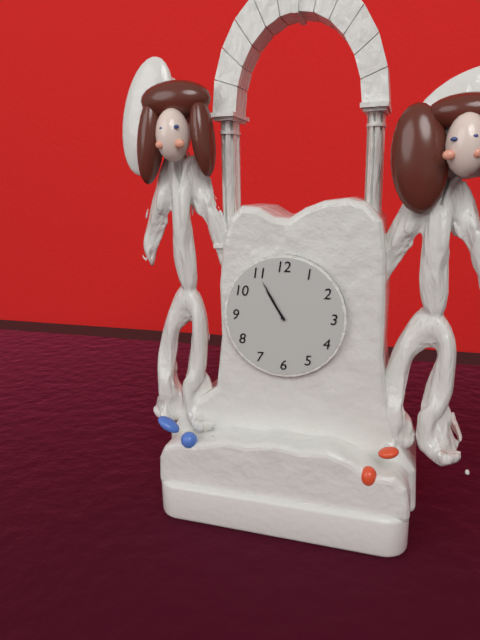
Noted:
10:55
